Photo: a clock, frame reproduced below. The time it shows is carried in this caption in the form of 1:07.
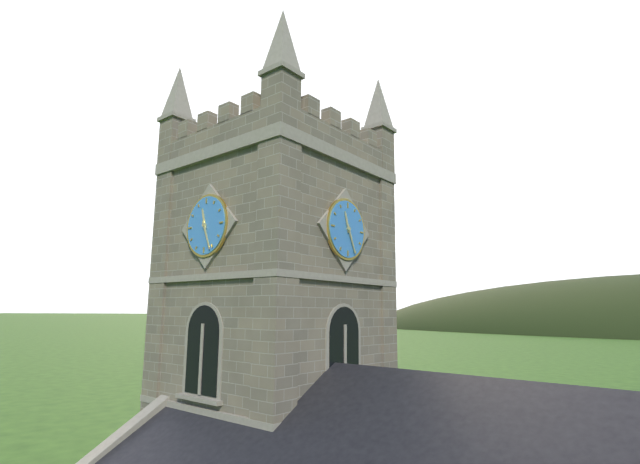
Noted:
11:26
